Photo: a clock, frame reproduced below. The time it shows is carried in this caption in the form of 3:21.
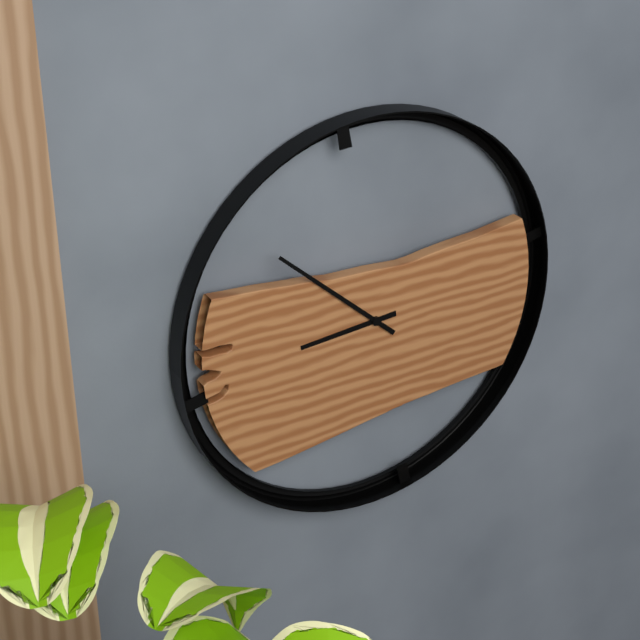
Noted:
8:52
